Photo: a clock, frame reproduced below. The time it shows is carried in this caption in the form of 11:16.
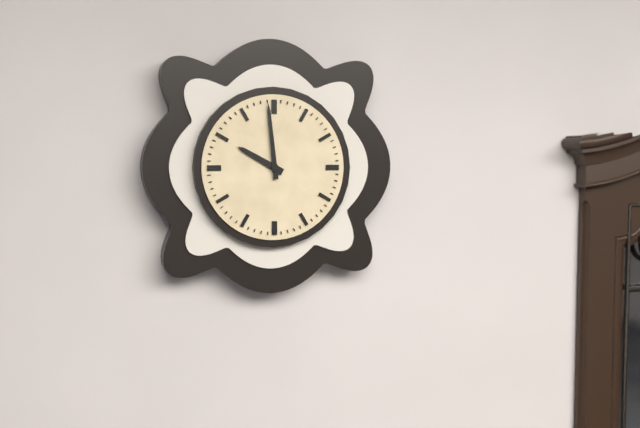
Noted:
9:59
